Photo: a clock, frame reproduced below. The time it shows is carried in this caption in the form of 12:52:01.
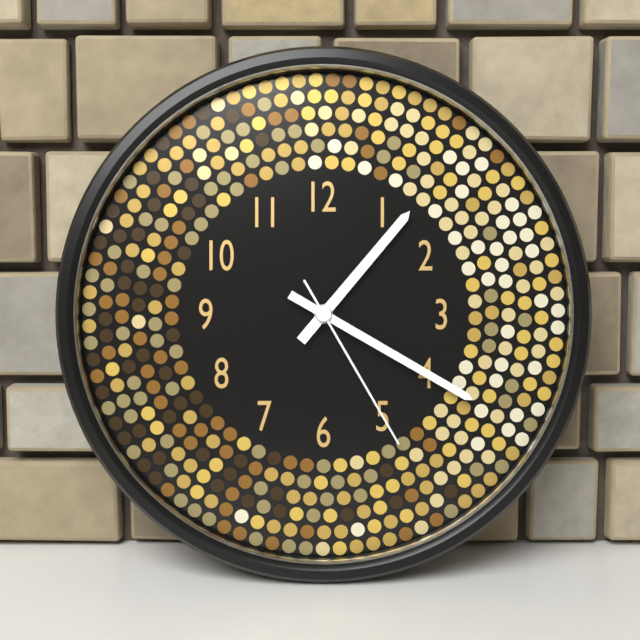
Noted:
1:20:25
